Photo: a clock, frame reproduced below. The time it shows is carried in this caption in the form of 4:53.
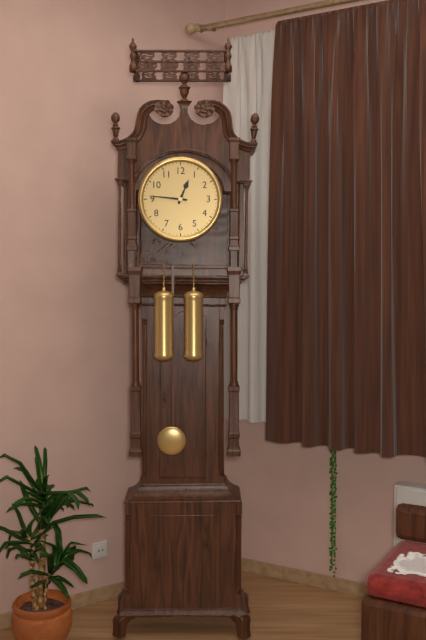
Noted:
12:46
